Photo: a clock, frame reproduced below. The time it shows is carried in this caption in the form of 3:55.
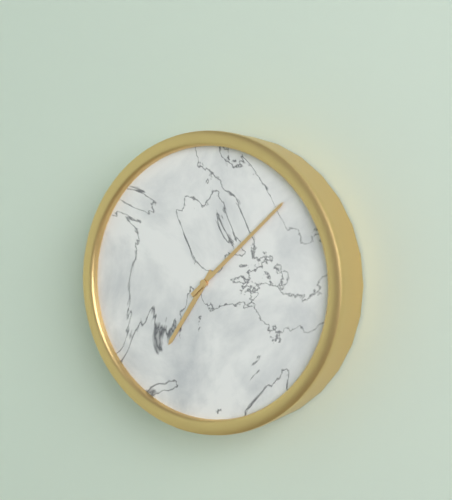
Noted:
7:08
